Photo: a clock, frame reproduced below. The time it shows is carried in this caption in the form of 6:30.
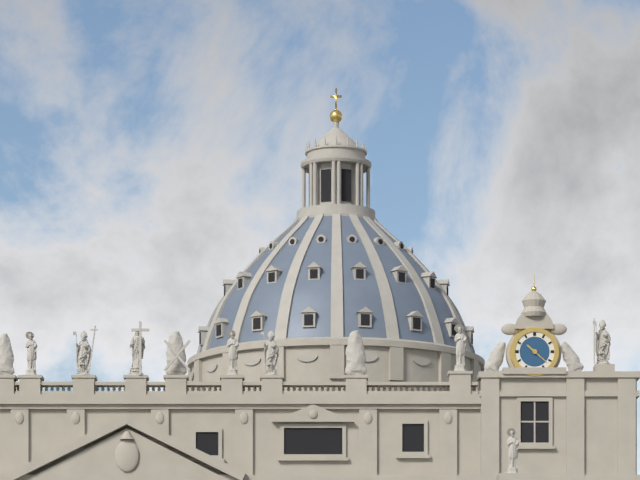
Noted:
10:22
